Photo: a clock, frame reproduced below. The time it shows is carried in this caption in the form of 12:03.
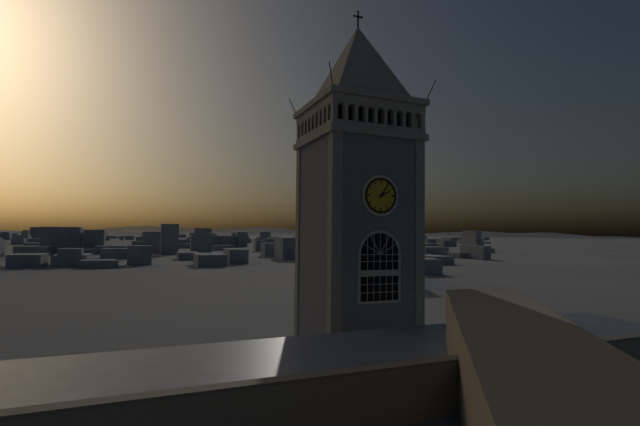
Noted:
2:06
